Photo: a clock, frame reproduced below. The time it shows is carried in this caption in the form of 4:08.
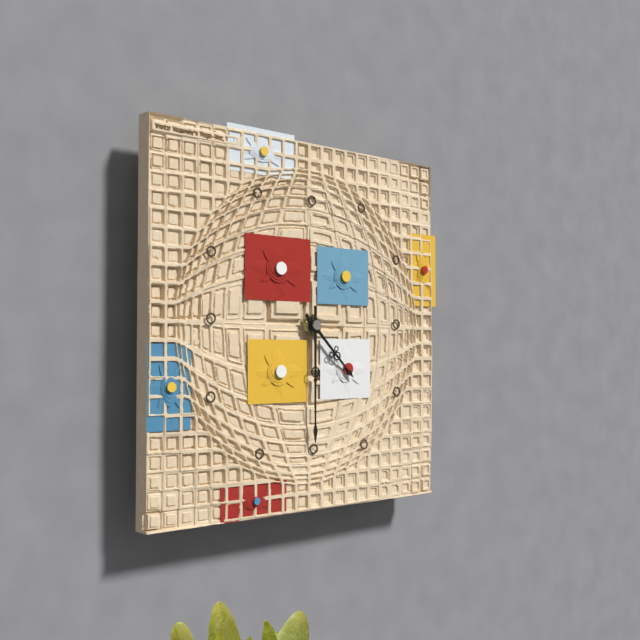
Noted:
4:30
